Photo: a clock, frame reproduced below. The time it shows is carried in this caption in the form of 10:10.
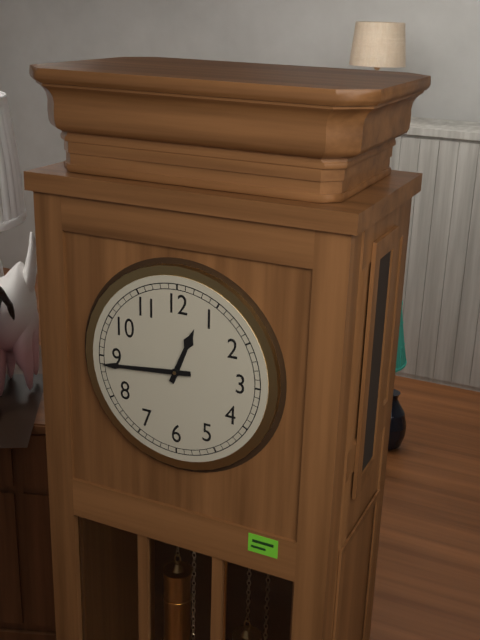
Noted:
12:44
